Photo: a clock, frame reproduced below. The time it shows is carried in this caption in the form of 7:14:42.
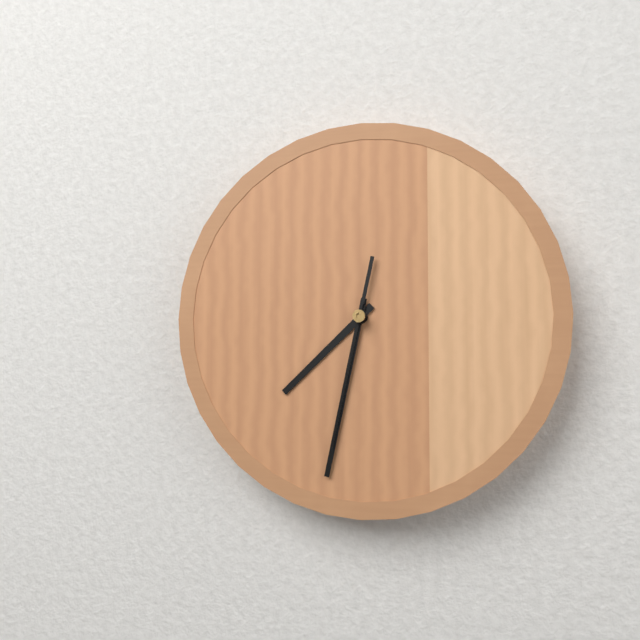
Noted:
7:32:32
